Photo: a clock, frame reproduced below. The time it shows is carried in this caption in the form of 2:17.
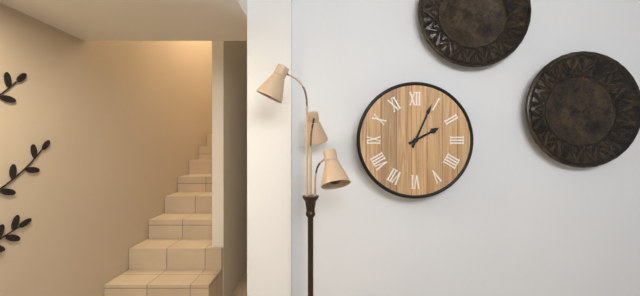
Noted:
2:04
